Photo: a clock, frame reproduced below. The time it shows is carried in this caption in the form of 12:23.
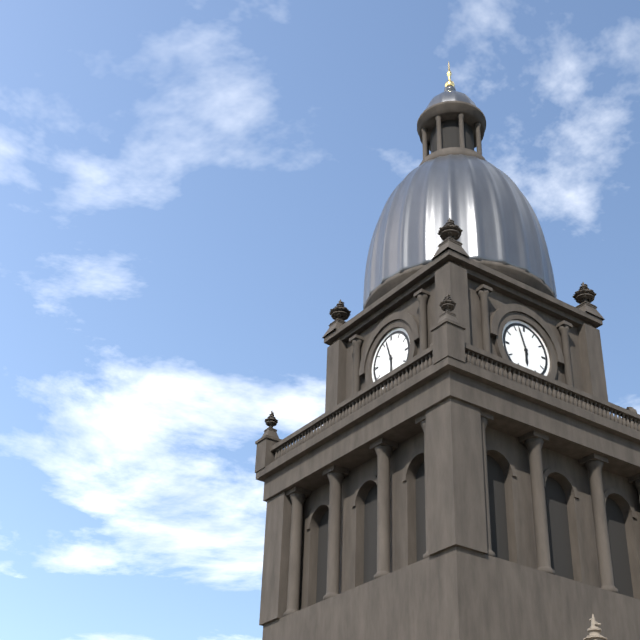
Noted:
5:57
